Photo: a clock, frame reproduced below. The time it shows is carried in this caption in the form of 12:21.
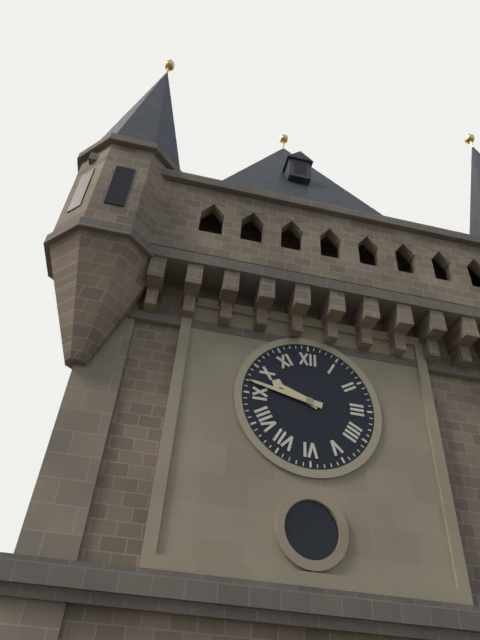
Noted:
9:47
